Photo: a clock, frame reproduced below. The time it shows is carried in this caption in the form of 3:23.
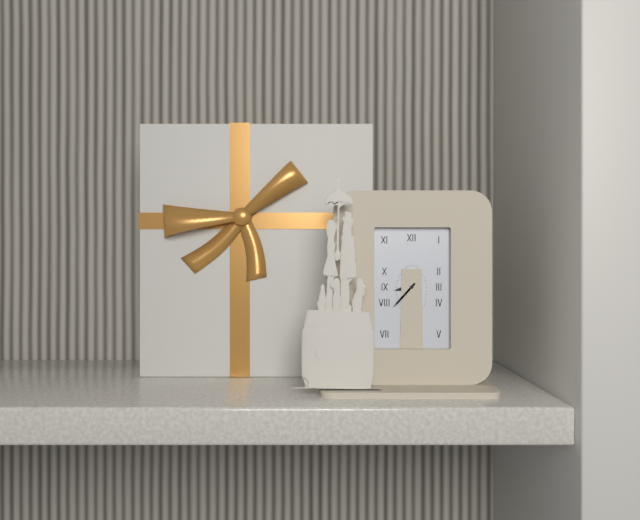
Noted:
8:37
